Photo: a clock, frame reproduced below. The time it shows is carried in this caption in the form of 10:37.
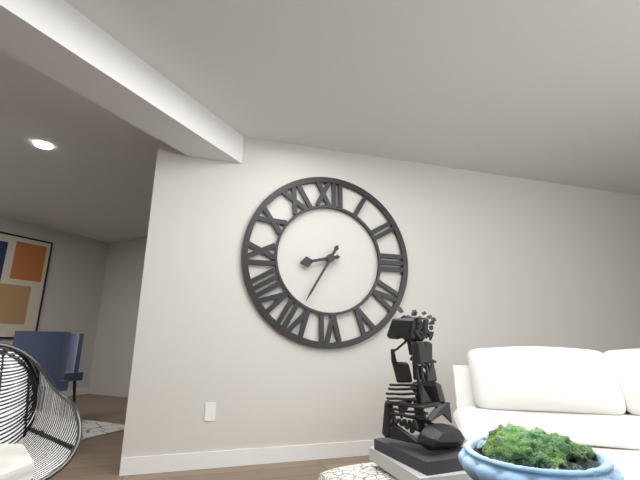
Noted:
8:35
